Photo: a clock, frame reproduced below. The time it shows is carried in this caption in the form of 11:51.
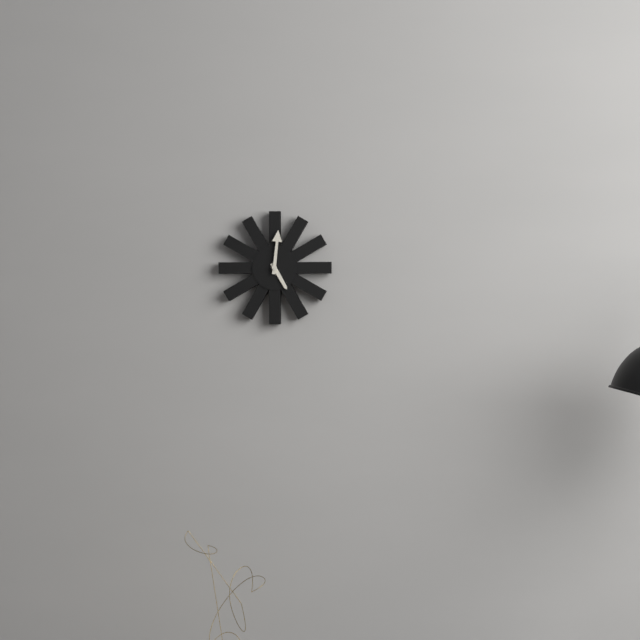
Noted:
5:01
